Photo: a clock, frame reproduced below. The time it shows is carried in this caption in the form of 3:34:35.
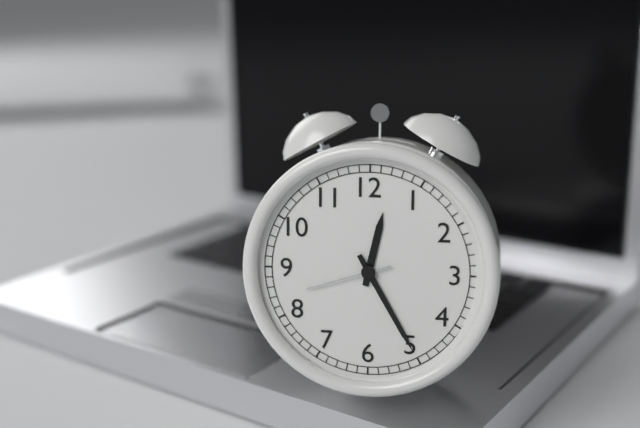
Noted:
12:25:42
